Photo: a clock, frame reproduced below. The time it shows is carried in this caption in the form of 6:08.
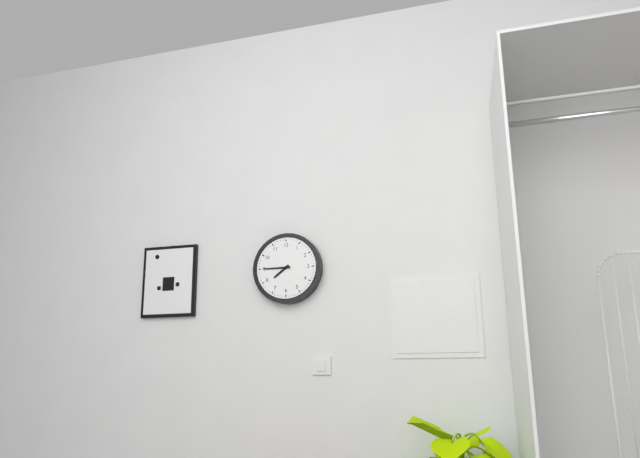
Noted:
7:45
